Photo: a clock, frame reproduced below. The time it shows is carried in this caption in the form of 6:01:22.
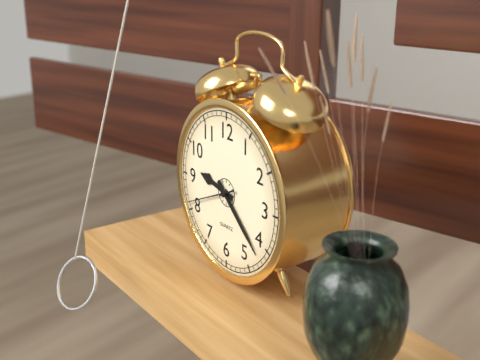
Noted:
9:22:41
